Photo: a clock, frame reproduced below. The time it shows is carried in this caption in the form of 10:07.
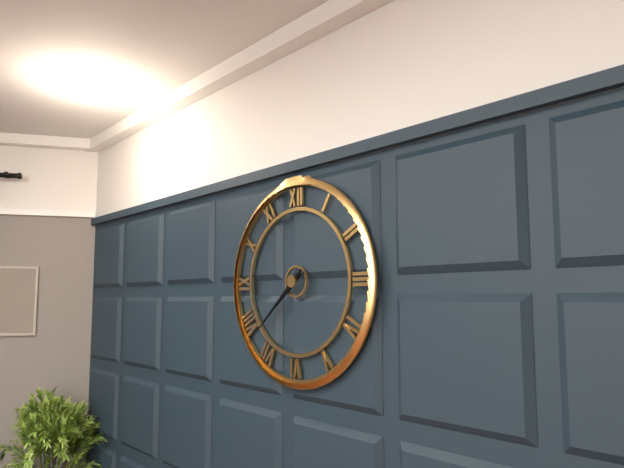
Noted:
7:38
